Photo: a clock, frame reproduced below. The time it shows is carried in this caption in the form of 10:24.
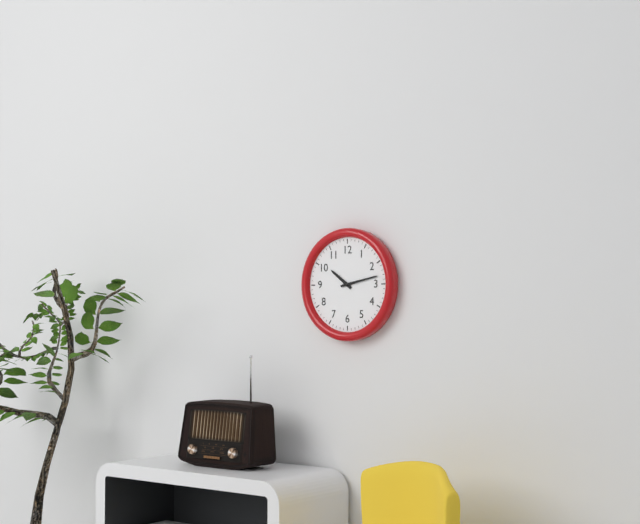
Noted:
10:13
